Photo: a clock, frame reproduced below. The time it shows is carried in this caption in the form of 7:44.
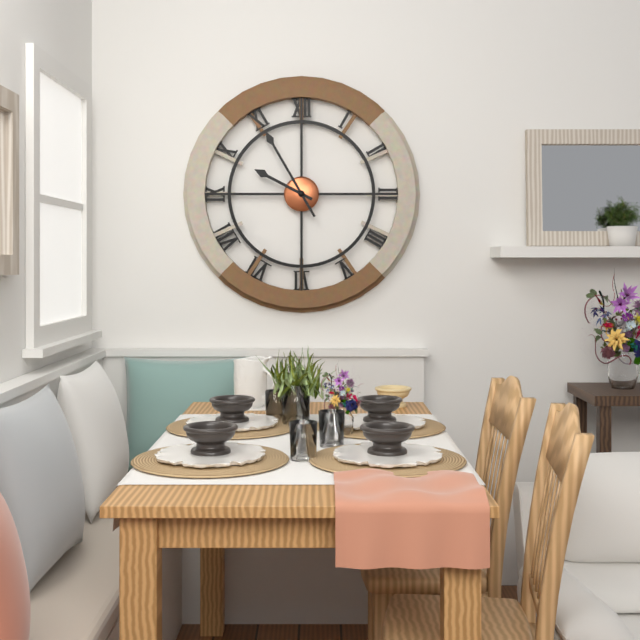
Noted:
9:55
